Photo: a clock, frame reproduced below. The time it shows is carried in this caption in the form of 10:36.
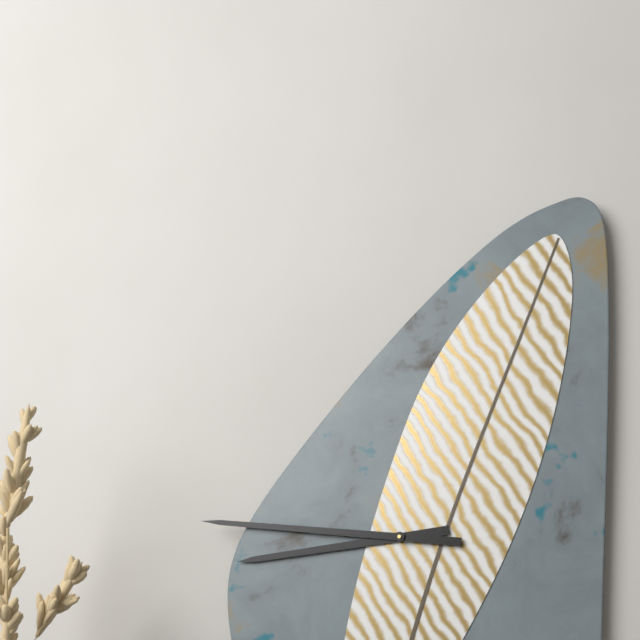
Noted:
8:46
